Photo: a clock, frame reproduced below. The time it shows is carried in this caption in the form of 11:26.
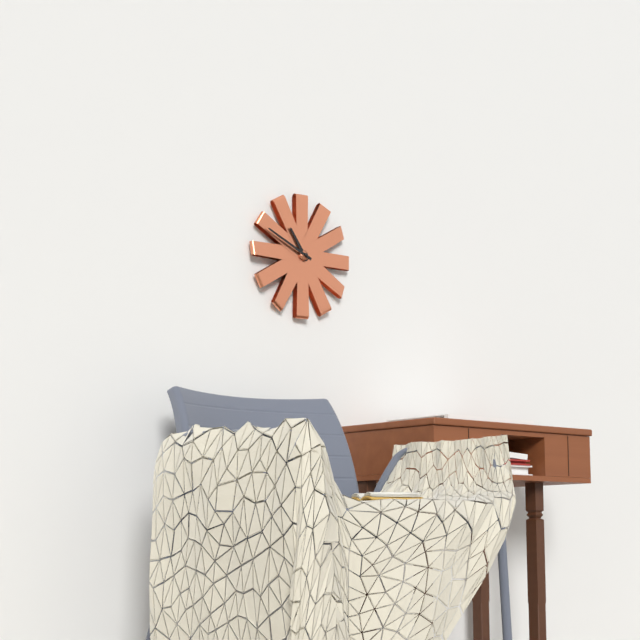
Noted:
10:49
